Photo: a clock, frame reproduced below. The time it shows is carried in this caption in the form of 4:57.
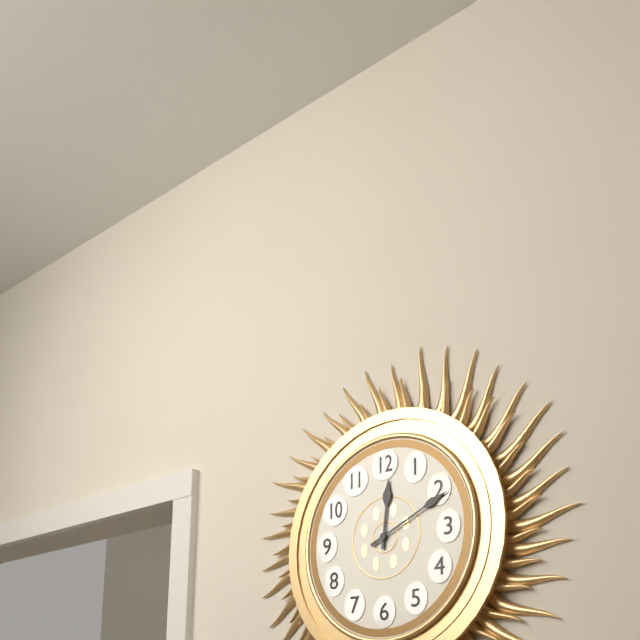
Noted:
12:11
